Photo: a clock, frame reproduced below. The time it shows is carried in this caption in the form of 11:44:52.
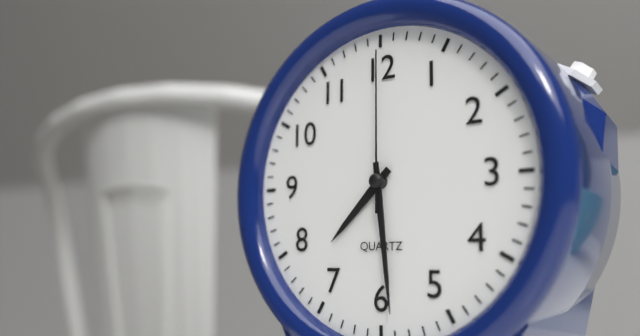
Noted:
7:29:00
